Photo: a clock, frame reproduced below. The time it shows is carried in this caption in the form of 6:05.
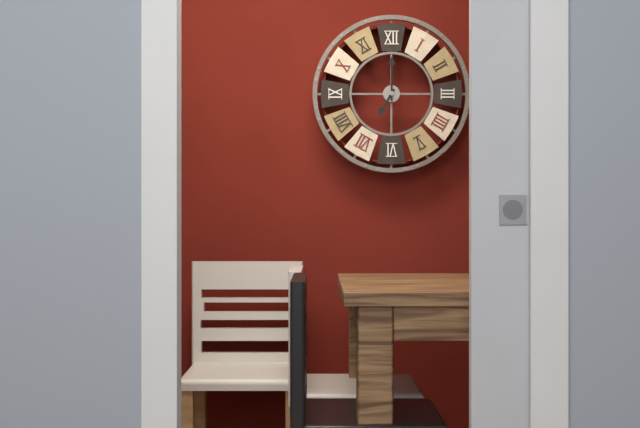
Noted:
7:00
